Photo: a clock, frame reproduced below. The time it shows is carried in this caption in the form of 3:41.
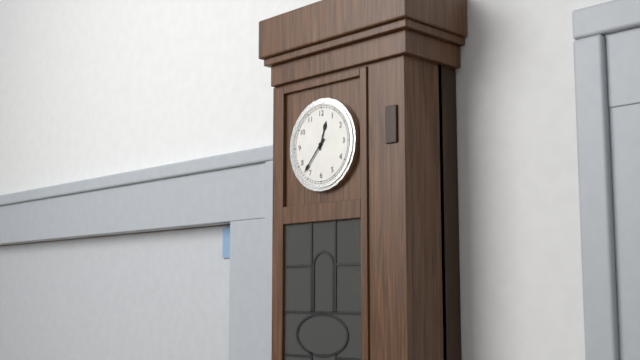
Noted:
12:37
